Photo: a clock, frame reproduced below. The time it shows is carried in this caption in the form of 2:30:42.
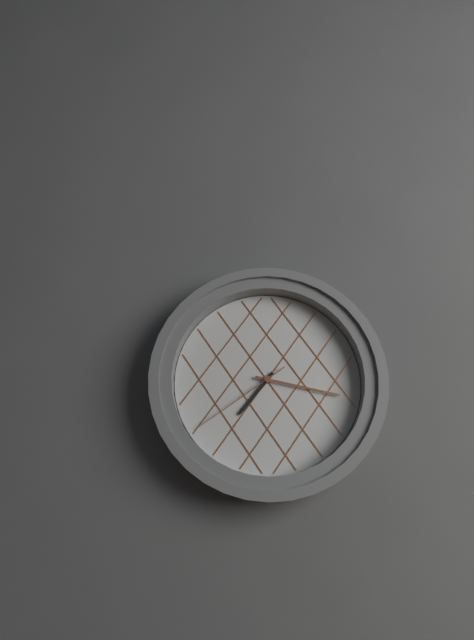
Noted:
7:17:39
